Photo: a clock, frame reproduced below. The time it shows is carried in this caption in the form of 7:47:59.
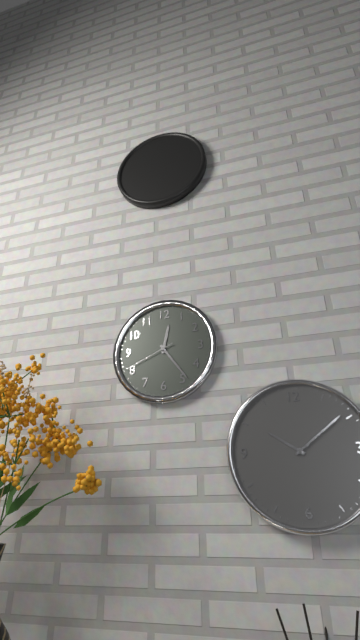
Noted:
12:24:41
